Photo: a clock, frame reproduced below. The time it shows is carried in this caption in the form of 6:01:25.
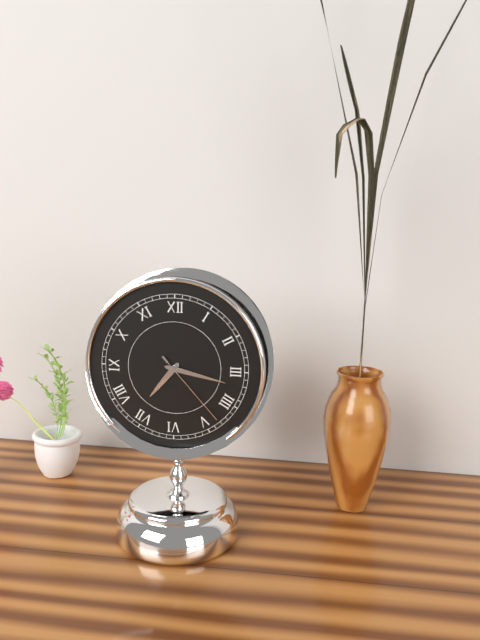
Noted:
7:17:23
